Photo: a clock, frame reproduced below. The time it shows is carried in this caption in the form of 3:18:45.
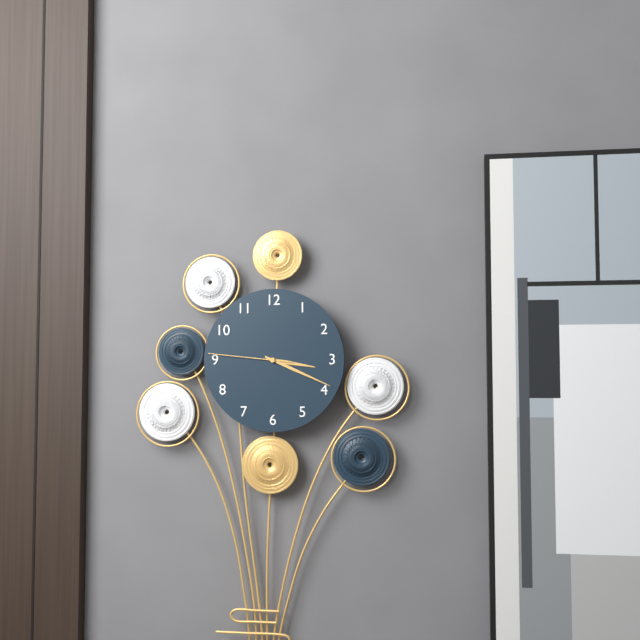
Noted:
3:19:46
